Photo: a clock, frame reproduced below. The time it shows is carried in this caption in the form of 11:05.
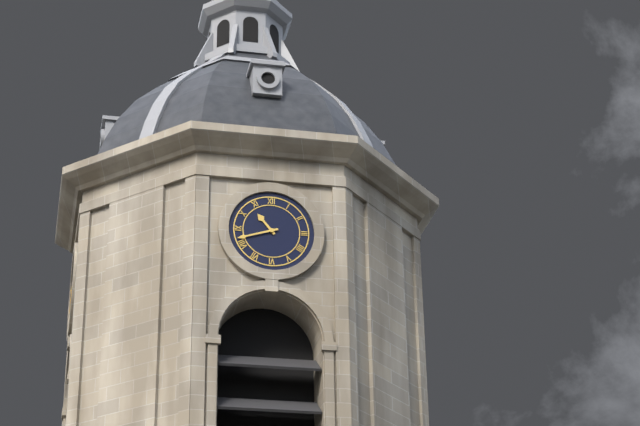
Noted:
10:42
